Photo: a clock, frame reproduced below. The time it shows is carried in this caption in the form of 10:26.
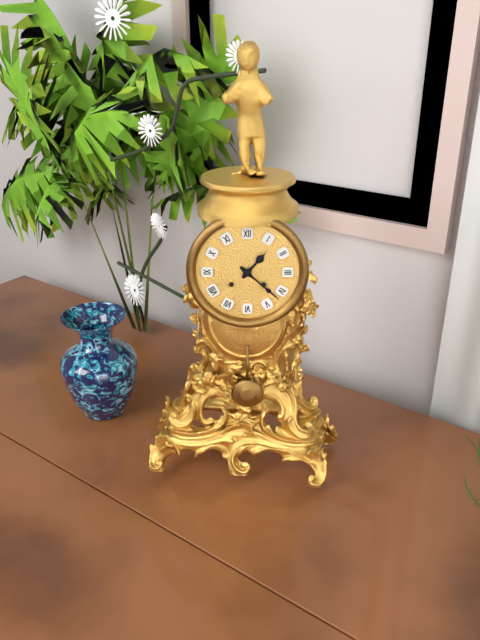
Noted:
1:22
